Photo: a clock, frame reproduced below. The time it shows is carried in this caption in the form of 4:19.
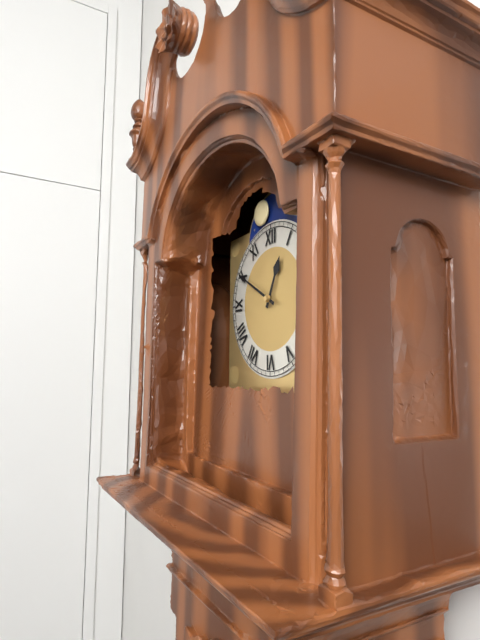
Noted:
12:50
